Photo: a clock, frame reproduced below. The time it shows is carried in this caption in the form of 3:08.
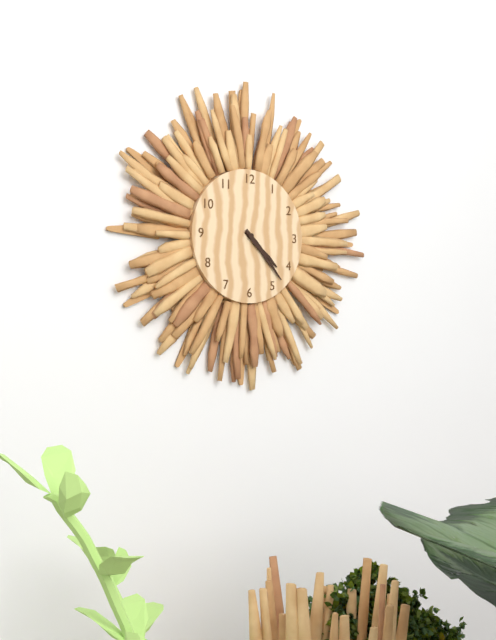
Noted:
4:23
